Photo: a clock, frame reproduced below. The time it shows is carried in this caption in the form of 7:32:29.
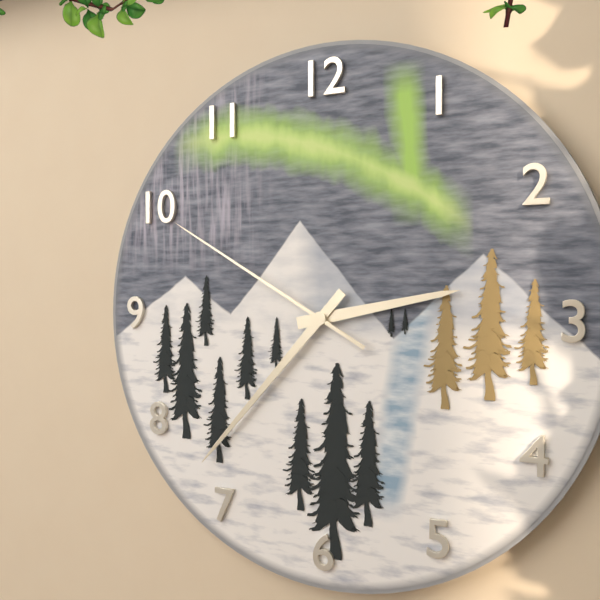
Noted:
2:37:50
